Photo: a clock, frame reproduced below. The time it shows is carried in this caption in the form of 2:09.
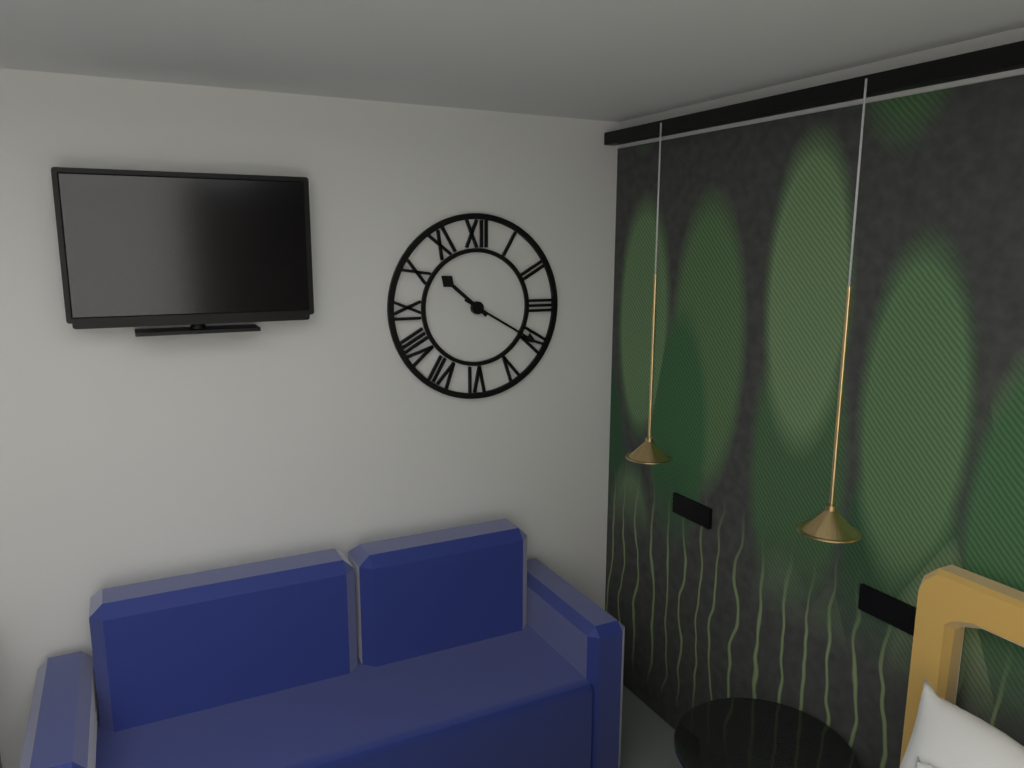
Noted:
10:20
